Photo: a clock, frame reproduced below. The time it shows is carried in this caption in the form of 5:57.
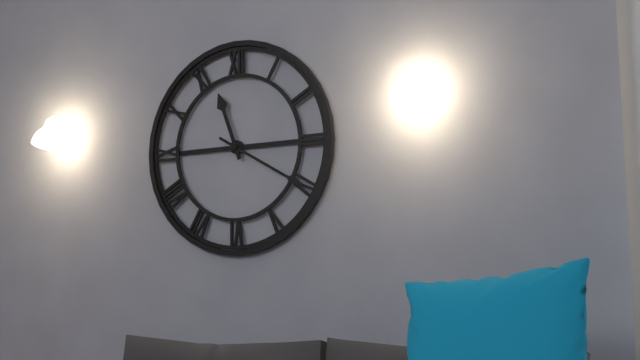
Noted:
11:20
